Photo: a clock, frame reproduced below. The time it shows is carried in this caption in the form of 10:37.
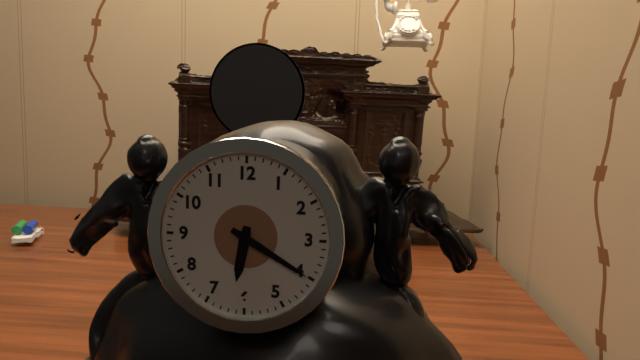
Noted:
6:20
